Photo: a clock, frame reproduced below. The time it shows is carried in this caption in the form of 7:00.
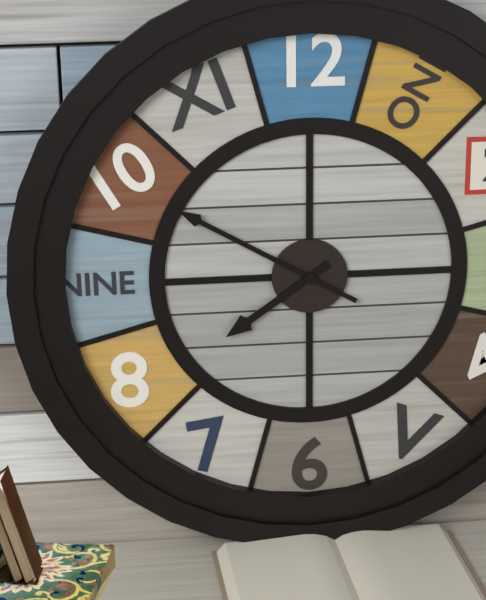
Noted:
7:50
